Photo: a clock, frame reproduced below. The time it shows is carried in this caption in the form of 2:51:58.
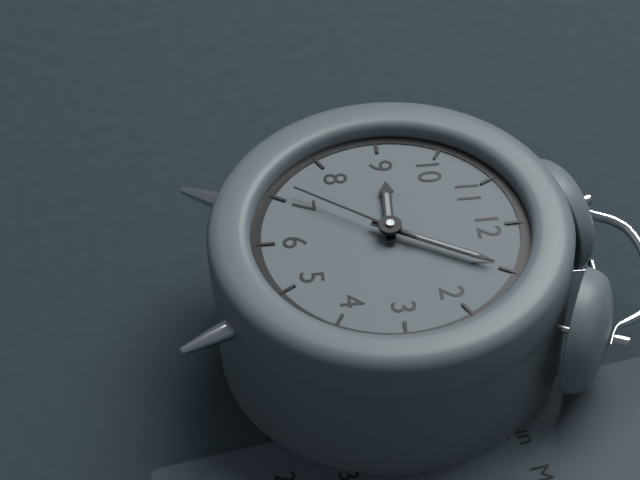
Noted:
9:05:36
